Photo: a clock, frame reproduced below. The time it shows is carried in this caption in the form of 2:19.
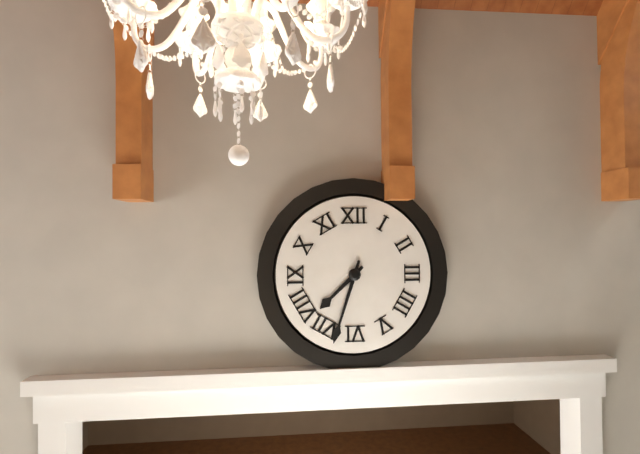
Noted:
7:33
